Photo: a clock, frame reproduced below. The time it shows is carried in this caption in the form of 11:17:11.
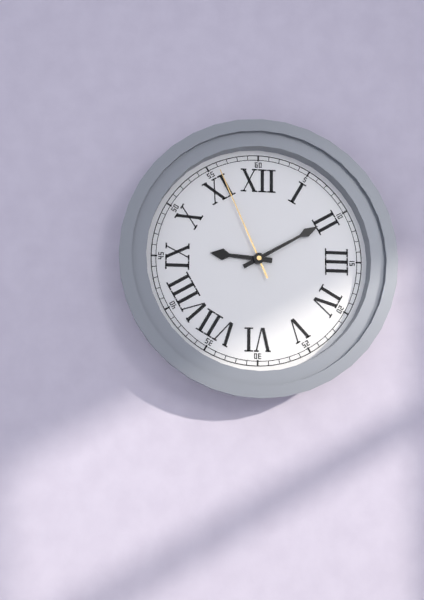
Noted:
9:10:56
